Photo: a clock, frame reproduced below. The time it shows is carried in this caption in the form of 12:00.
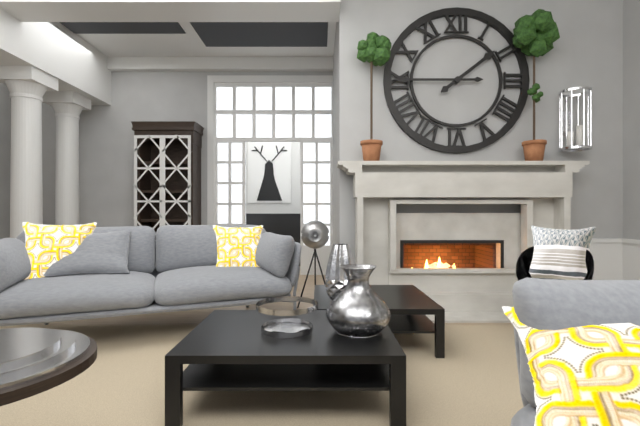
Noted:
1:45
